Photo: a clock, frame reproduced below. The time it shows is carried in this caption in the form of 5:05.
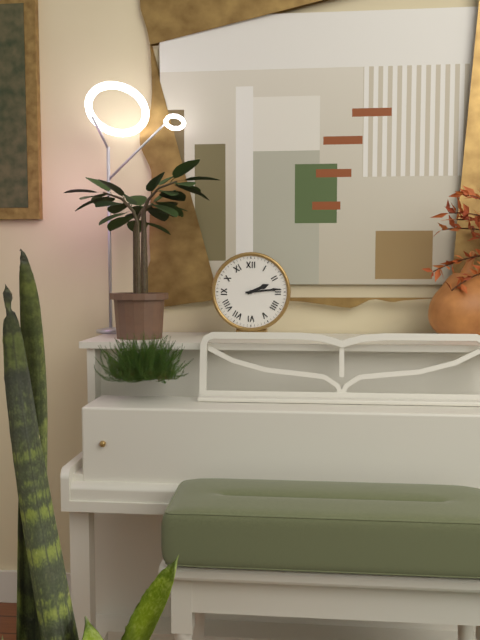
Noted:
2:14
